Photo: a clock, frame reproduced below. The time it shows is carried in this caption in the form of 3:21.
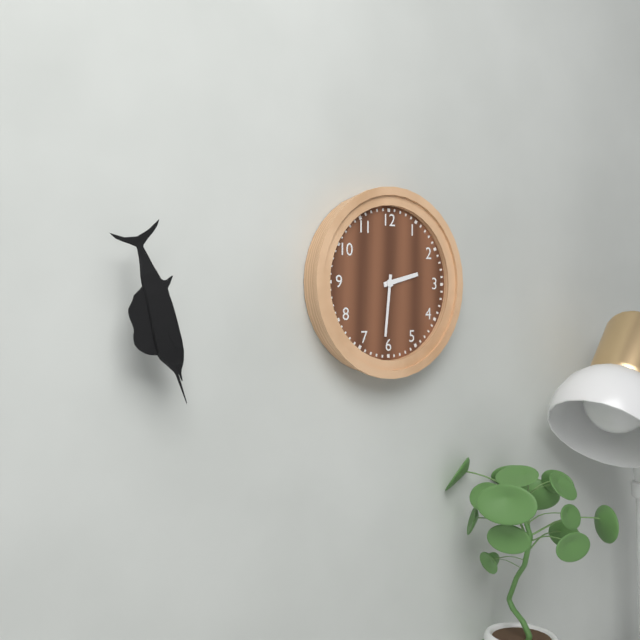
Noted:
2:31
